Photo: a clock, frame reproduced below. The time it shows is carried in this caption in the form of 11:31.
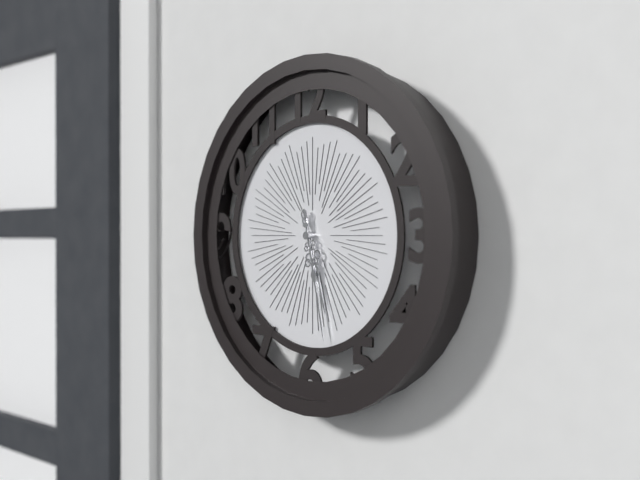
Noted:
5:28
